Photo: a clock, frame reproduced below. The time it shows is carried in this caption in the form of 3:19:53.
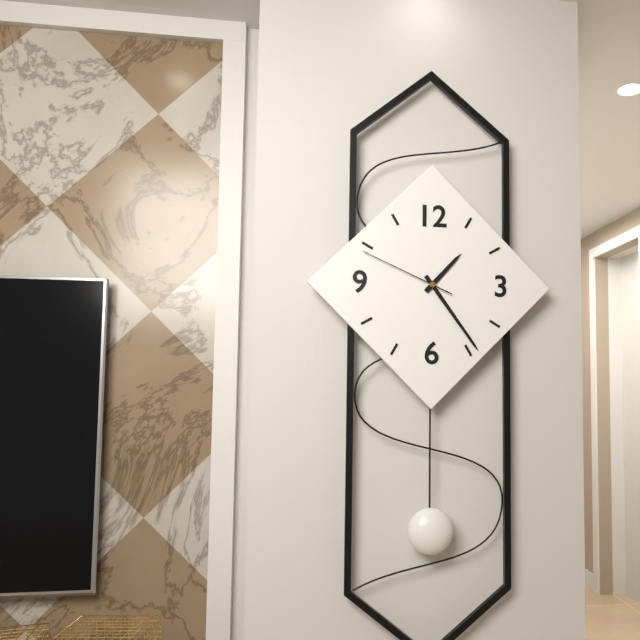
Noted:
1:24:49
